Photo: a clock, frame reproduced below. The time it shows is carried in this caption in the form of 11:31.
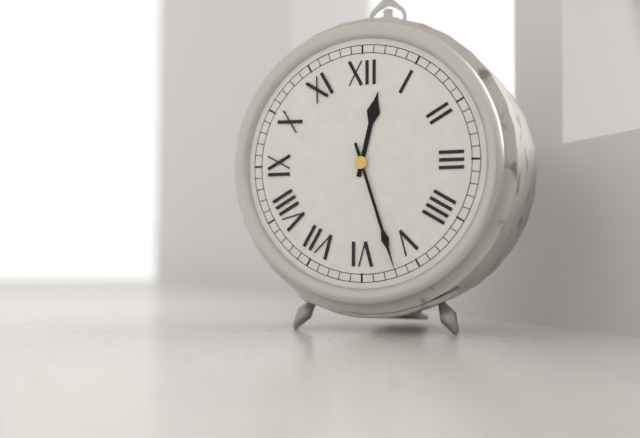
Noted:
12:27
